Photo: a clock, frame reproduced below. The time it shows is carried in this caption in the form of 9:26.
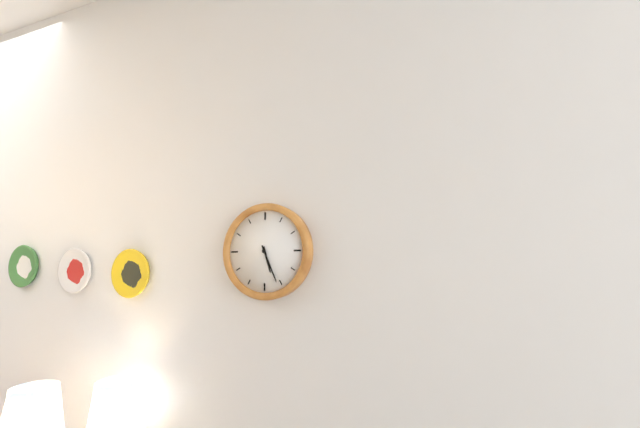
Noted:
5:26
